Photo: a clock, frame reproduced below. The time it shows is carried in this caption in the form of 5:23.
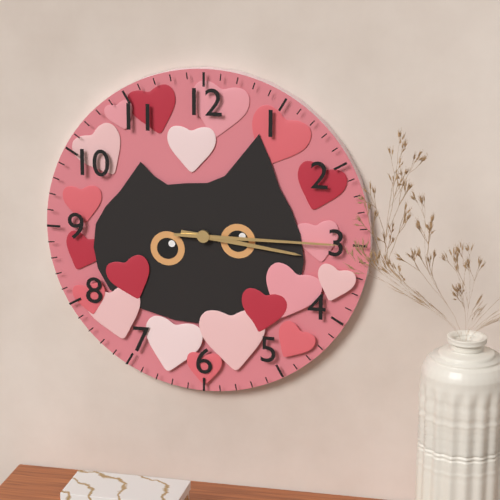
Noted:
3:15
